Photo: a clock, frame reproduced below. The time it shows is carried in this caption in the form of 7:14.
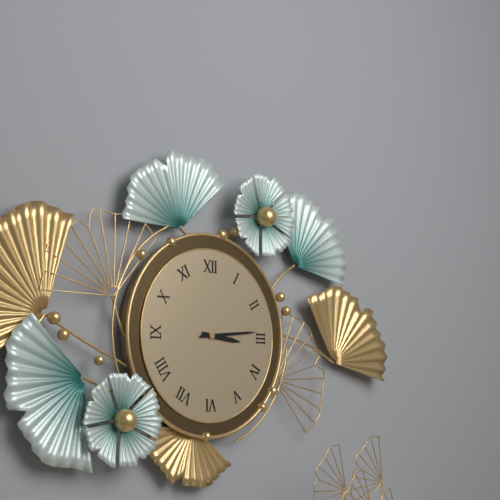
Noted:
3:14
